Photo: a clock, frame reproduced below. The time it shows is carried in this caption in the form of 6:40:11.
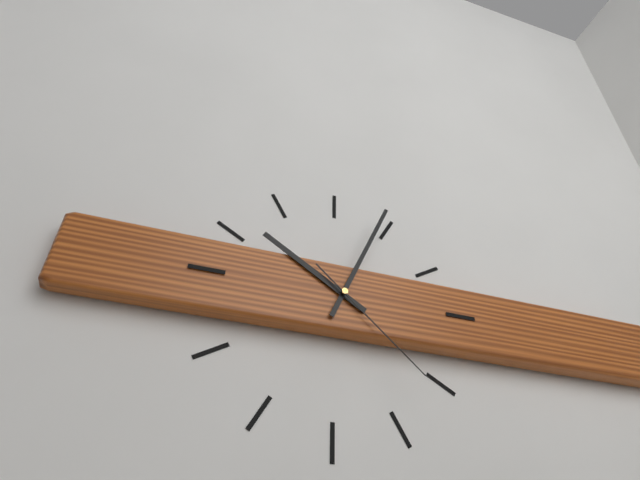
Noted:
10:04:22
